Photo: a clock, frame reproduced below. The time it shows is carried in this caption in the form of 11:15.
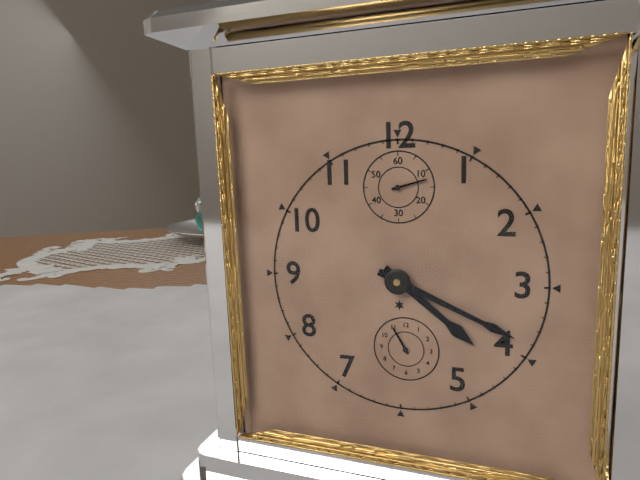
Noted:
4:19
